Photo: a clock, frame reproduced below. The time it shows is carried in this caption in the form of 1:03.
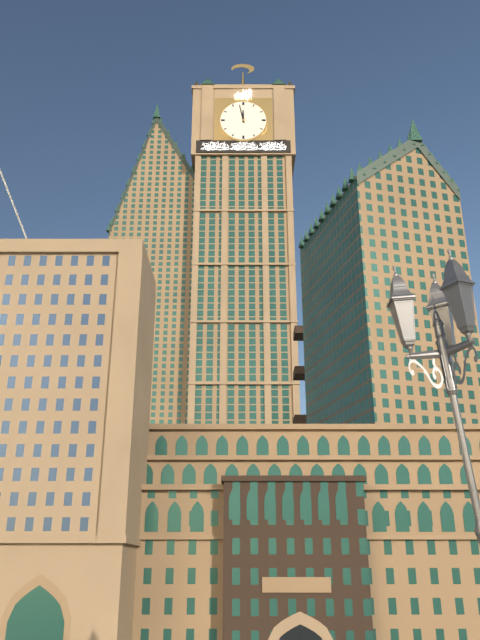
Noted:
11:58
